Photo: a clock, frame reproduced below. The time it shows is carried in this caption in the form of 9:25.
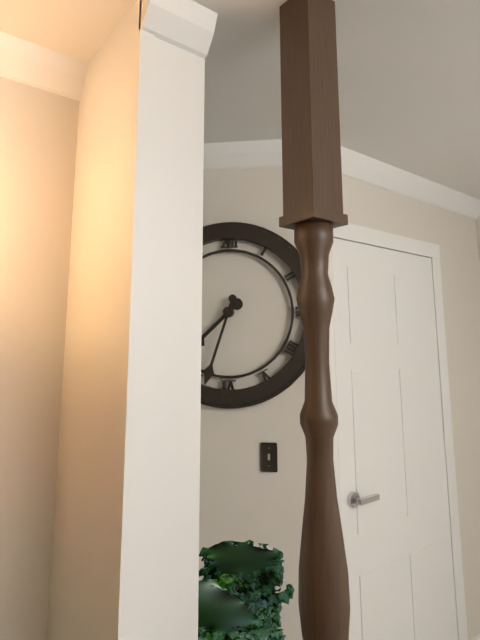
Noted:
7:33
